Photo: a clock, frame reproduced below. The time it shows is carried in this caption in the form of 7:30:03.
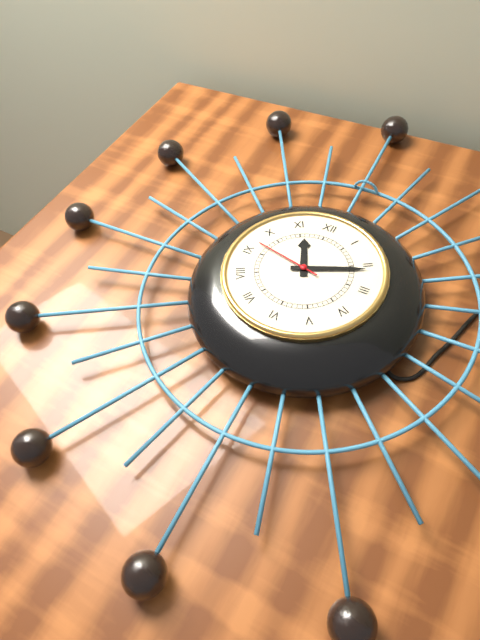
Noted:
11:11:47
